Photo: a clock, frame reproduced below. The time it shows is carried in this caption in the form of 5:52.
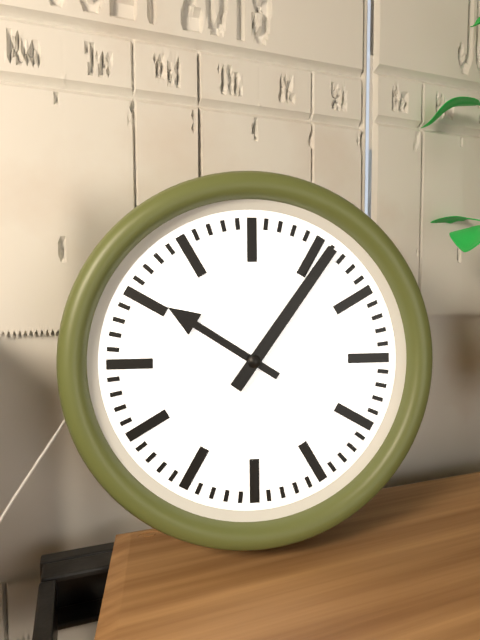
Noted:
10:06
